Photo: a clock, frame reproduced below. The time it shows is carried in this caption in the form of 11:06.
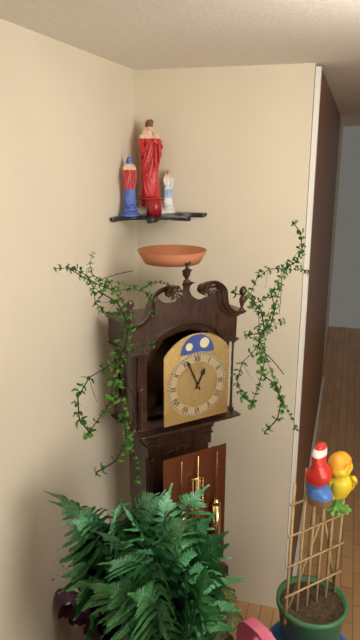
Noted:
12:56
